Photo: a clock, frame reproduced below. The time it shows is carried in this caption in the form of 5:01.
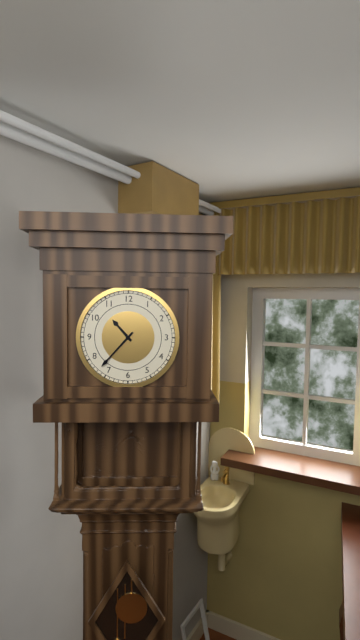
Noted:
10:37
